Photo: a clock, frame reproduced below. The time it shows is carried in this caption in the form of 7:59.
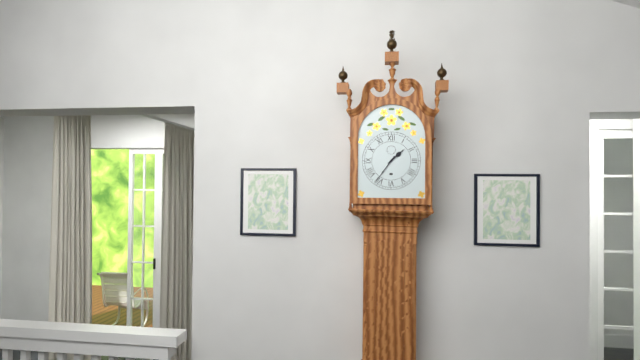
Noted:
1:36
